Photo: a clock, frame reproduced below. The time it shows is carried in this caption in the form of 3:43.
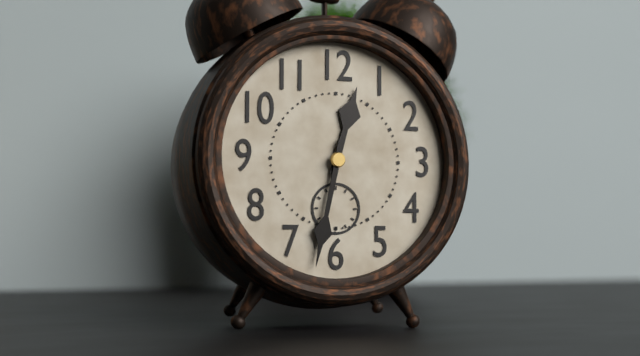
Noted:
12:32
